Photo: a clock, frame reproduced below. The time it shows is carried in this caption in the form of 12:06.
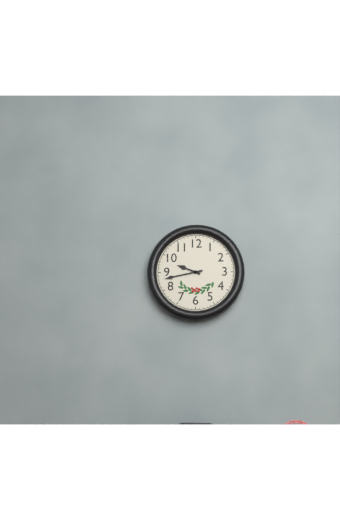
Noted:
9:43
